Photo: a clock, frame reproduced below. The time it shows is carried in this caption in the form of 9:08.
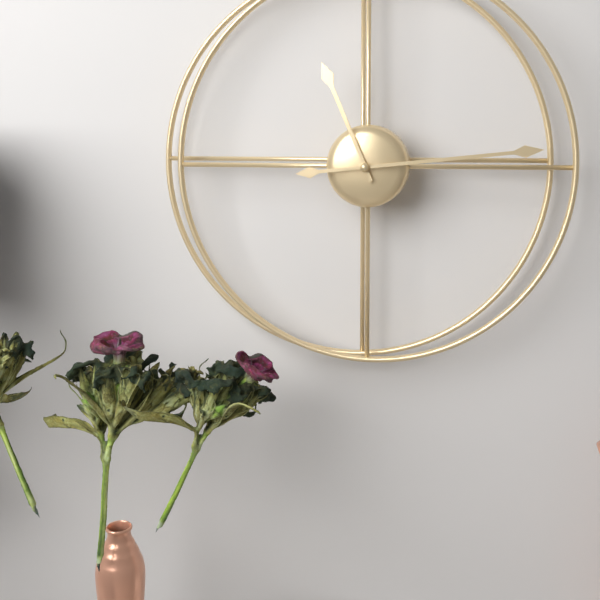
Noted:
11:14
